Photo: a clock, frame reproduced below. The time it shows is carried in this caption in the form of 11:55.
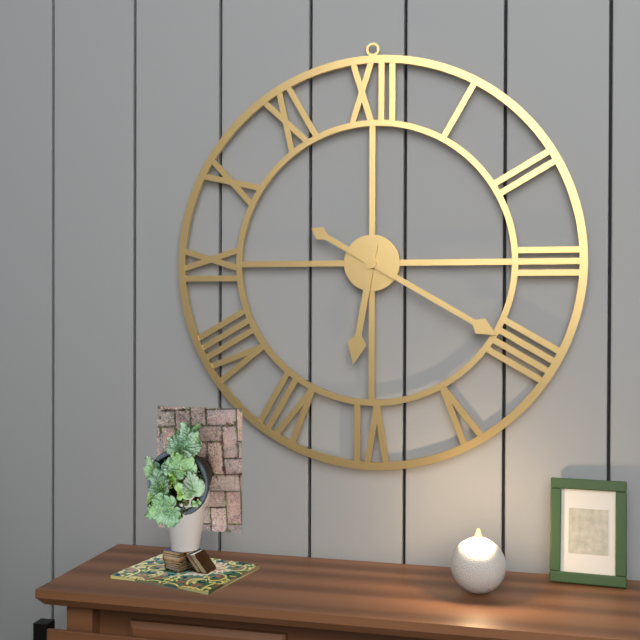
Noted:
6:20
